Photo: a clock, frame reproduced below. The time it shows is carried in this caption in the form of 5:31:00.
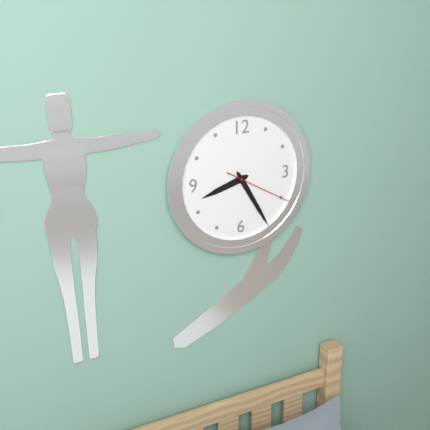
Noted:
8:25:20
